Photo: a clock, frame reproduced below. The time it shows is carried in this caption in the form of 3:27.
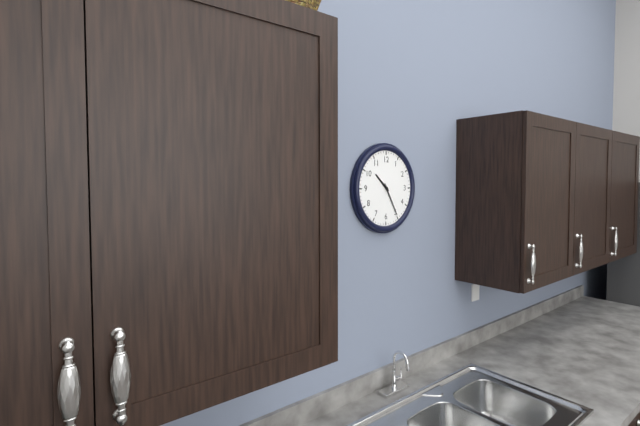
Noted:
10:25
